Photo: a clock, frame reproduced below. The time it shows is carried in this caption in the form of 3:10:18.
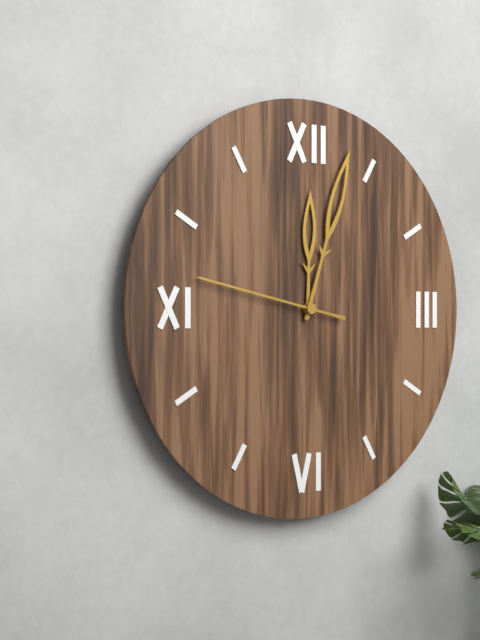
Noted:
12:03:47
